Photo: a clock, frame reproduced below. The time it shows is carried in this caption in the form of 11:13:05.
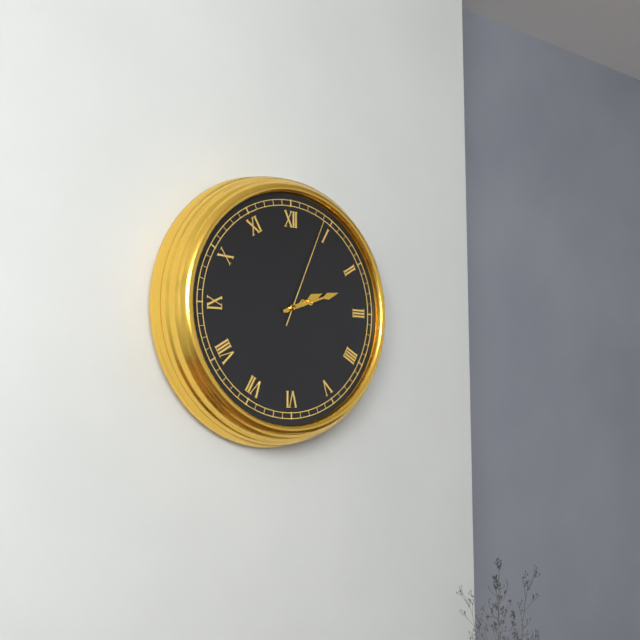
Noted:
2:12:04
